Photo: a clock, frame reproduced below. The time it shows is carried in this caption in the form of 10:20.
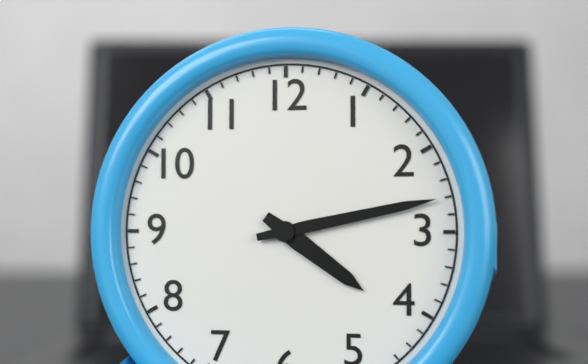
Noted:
4:13
